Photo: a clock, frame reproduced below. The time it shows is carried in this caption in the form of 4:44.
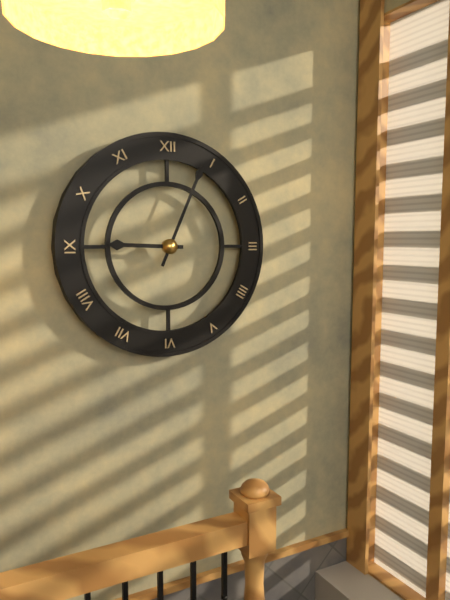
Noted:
9:04
